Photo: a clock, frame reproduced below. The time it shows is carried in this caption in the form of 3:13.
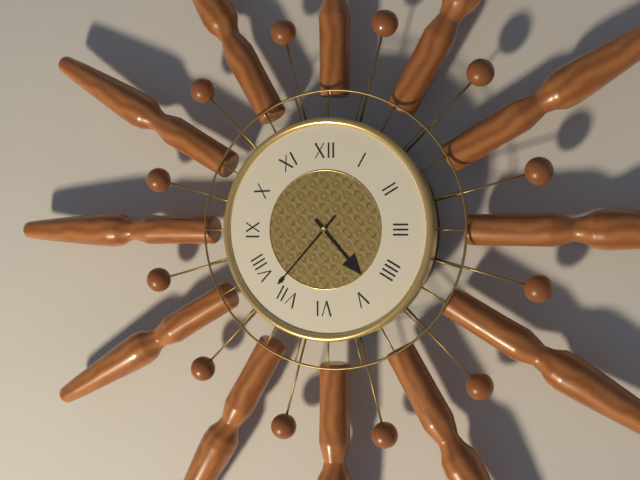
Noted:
4:37
